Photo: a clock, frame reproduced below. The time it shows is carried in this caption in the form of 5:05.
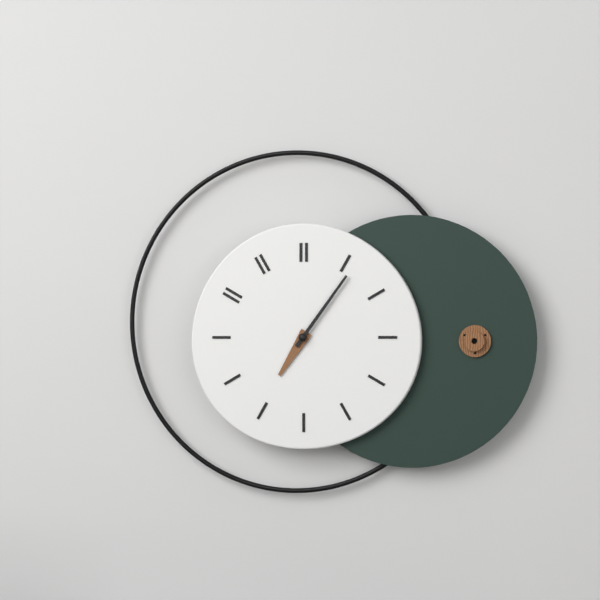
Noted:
7:06
